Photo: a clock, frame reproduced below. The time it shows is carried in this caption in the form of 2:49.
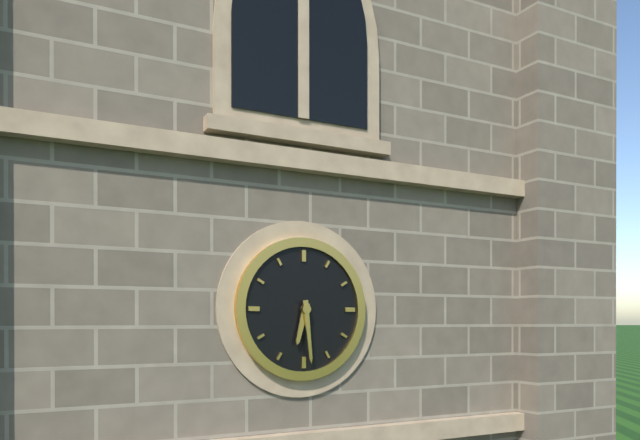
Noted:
6:29
